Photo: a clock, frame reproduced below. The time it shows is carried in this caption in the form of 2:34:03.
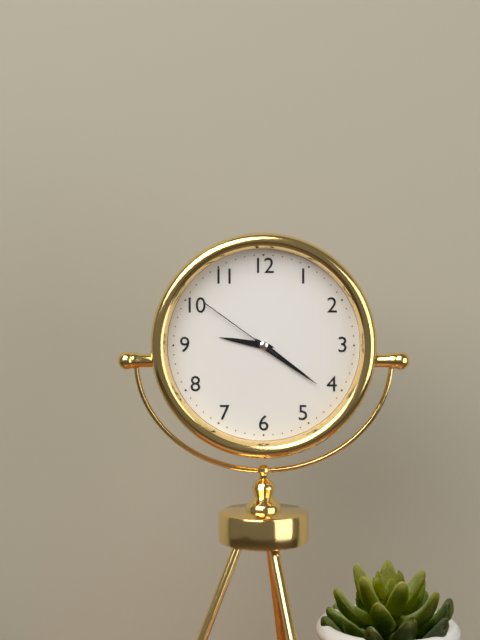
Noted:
9:21:51
